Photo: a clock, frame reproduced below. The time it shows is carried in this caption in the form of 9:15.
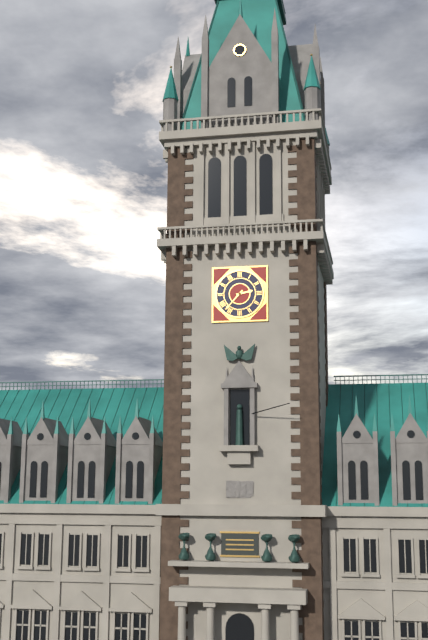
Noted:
2:37
